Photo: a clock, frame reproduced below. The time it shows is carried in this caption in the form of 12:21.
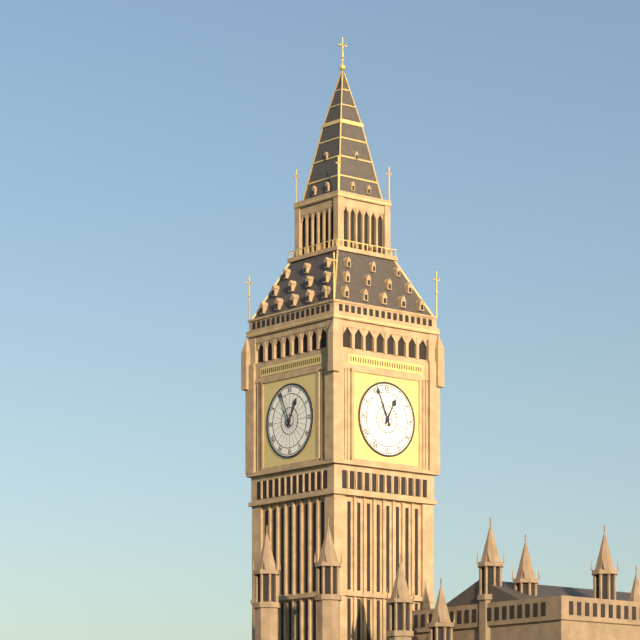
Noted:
12:56
